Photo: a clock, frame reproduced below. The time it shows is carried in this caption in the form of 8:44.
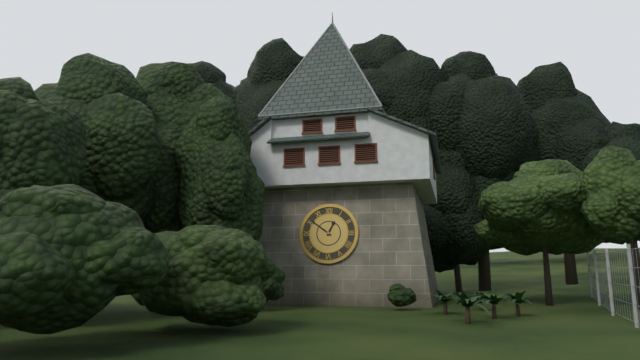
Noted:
12:51
